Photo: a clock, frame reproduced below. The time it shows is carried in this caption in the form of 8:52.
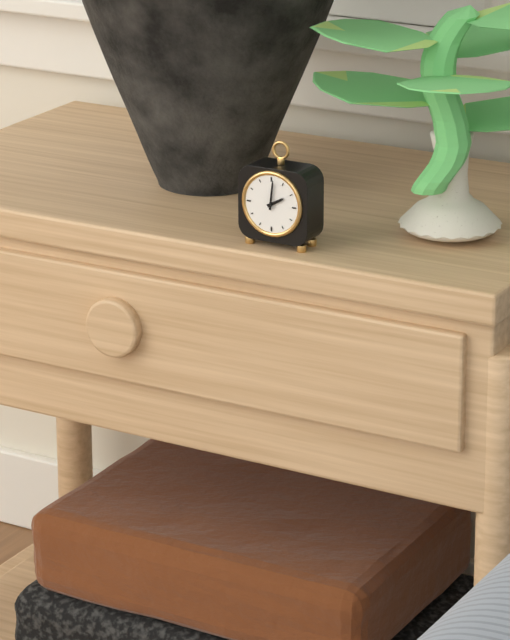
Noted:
2:01
